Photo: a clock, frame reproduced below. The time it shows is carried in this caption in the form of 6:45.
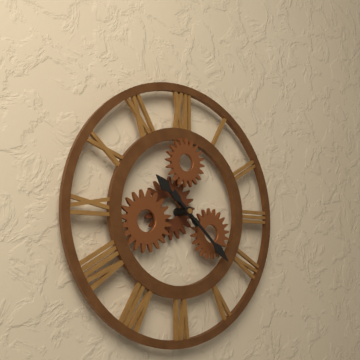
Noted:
10:22
